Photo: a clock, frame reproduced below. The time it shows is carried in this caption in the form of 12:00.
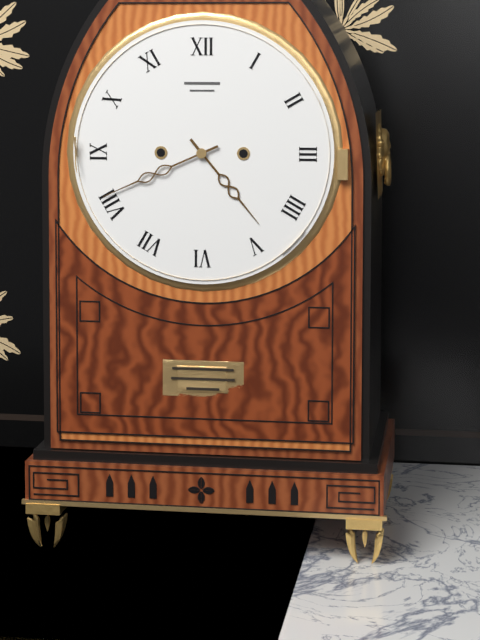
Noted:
4:41
